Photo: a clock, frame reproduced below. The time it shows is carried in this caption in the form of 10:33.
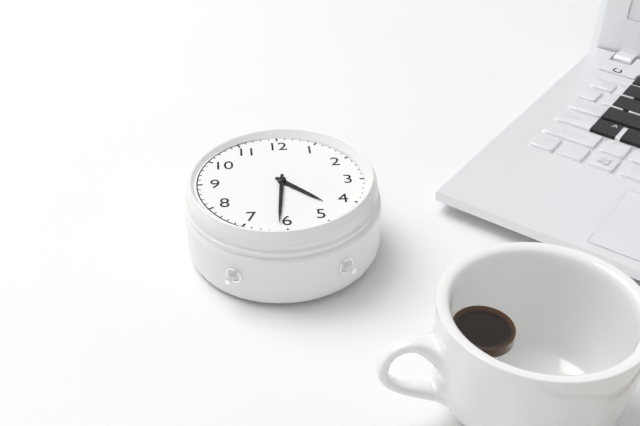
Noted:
4:31
